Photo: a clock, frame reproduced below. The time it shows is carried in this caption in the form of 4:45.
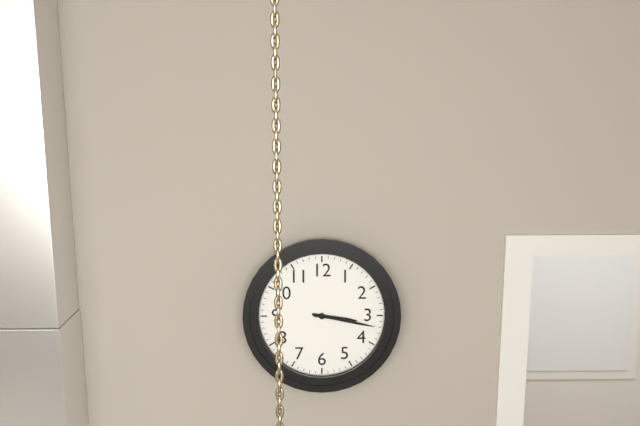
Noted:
3:17
